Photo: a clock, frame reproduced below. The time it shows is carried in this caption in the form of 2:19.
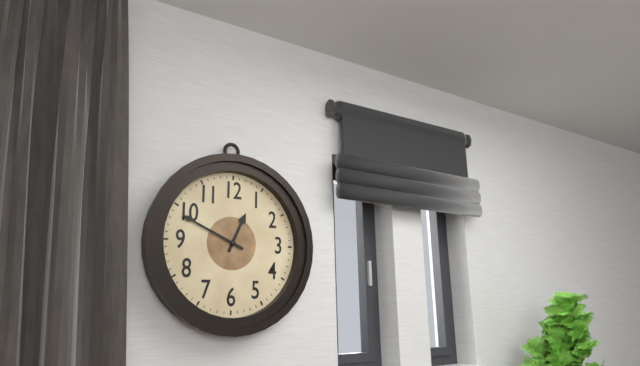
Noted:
12:49
